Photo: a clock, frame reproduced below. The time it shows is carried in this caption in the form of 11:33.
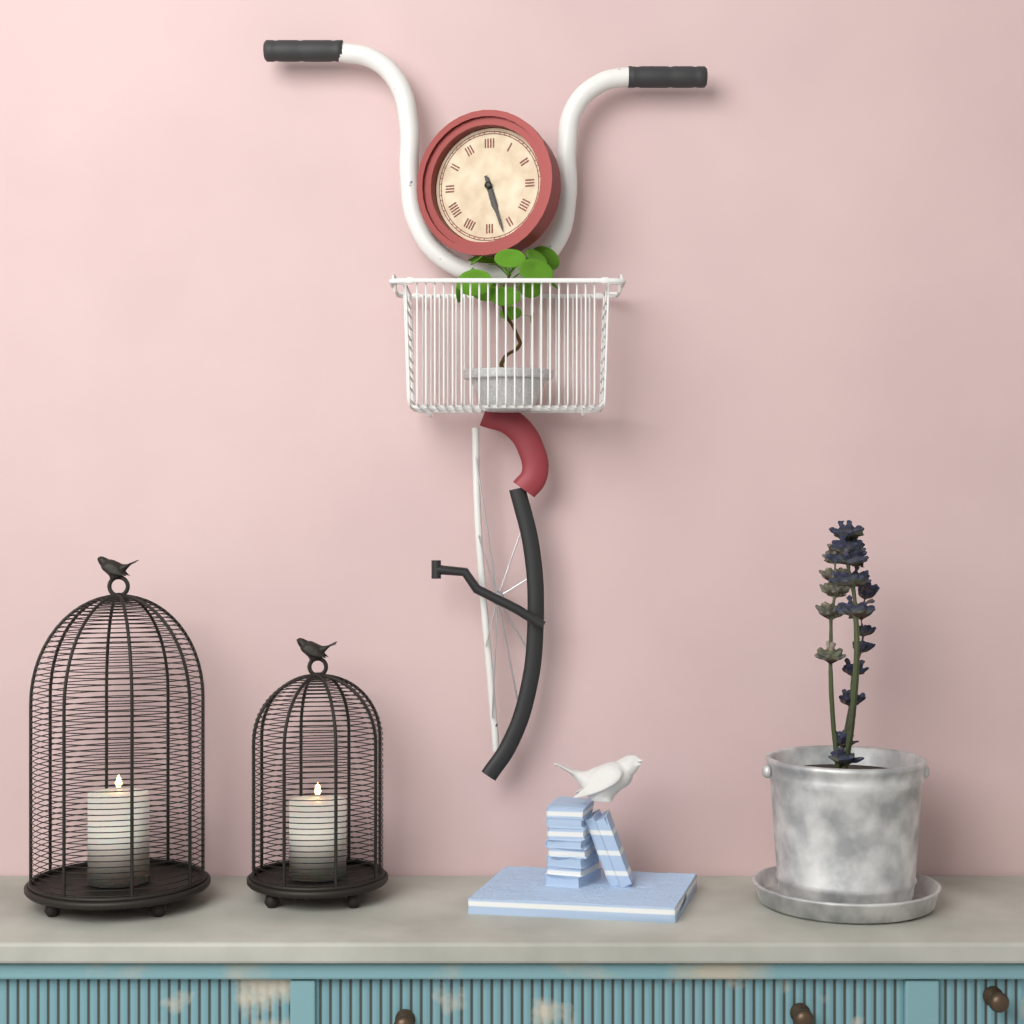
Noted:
5:27
